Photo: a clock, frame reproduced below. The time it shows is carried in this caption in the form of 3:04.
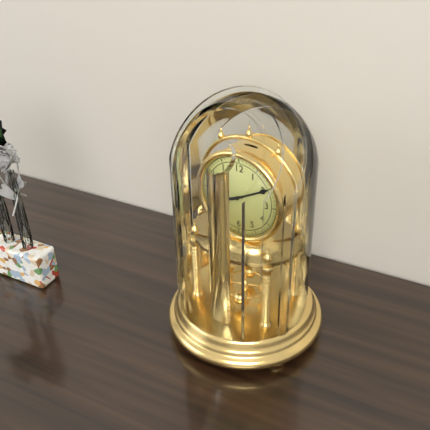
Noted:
8:10
